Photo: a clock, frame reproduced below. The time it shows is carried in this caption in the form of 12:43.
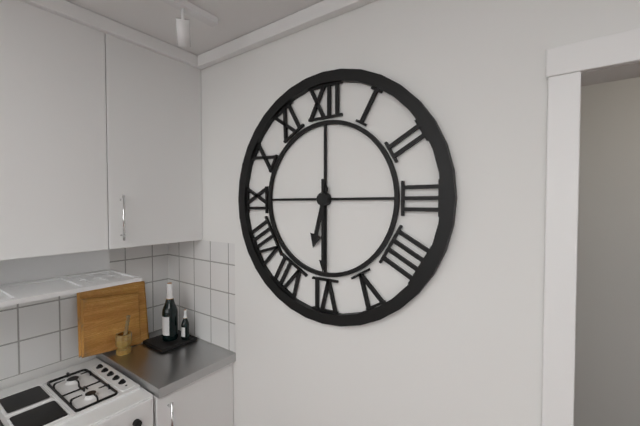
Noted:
6:30
